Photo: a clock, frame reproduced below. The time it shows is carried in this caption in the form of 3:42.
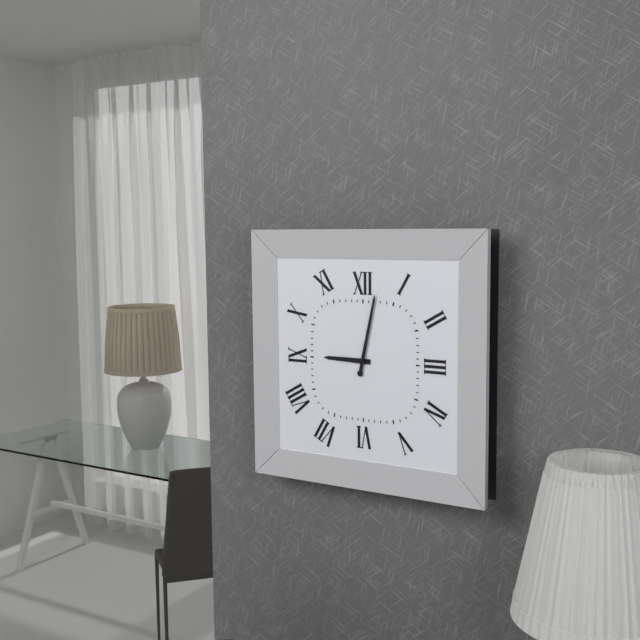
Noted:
9:02
